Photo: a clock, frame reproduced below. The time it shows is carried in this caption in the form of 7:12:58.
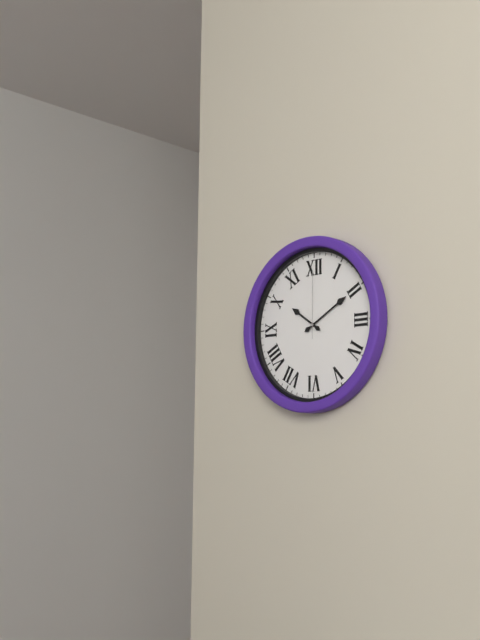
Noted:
10:10:00
